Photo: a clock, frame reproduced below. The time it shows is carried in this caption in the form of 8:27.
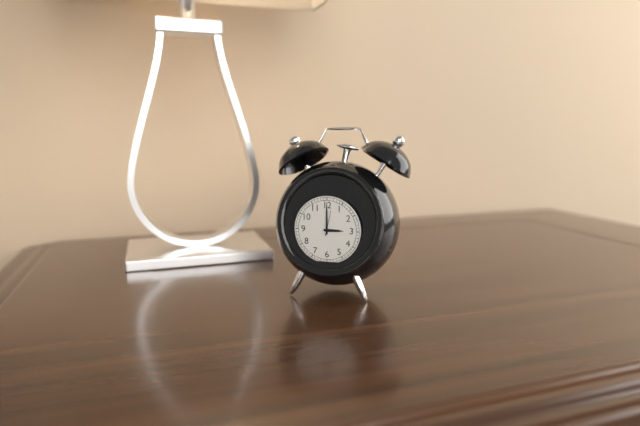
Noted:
3:00
